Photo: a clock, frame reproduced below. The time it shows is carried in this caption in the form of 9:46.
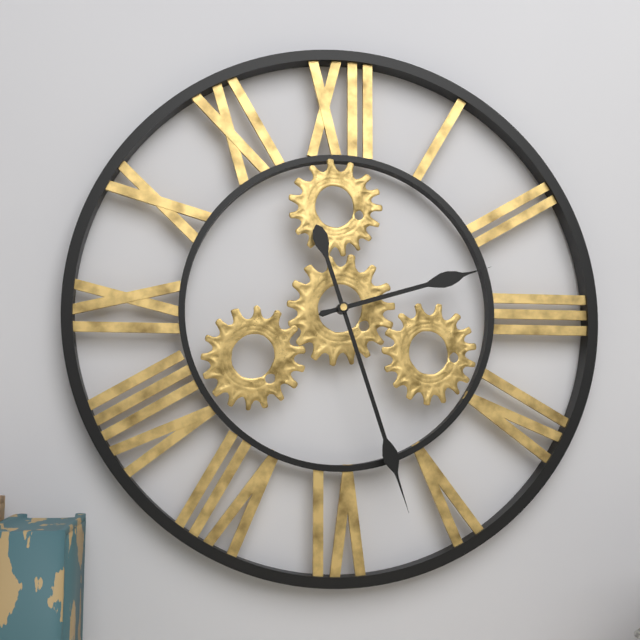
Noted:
2:27
